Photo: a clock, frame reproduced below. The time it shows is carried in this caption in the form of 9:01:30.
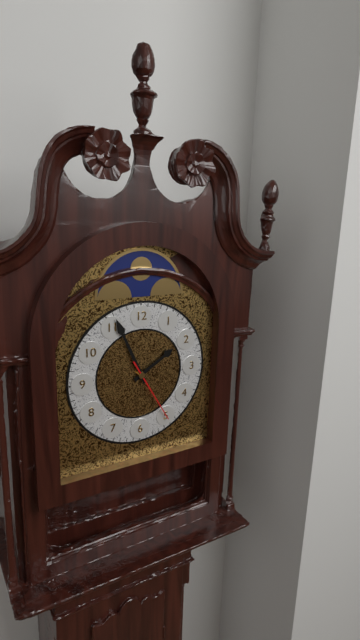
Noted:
1:56:25
